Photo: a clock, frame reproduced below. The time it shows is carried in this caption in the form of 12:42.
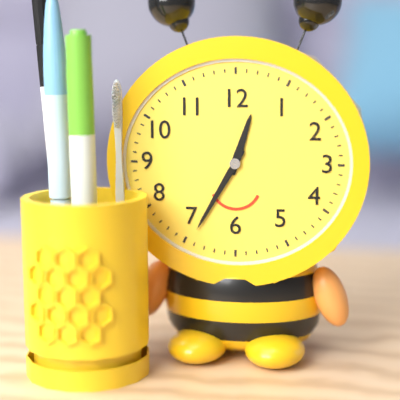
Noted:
12:35
